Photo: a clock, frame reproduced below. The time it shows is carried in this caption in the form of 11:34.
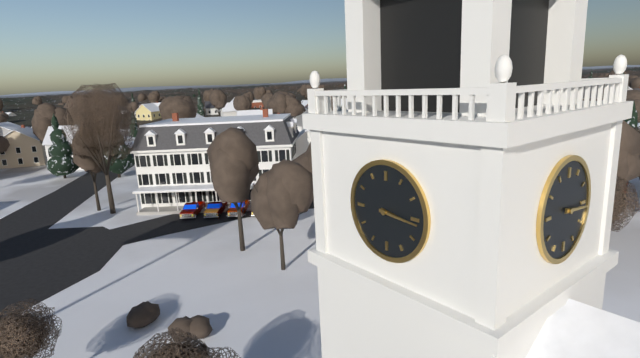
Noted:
3:16
